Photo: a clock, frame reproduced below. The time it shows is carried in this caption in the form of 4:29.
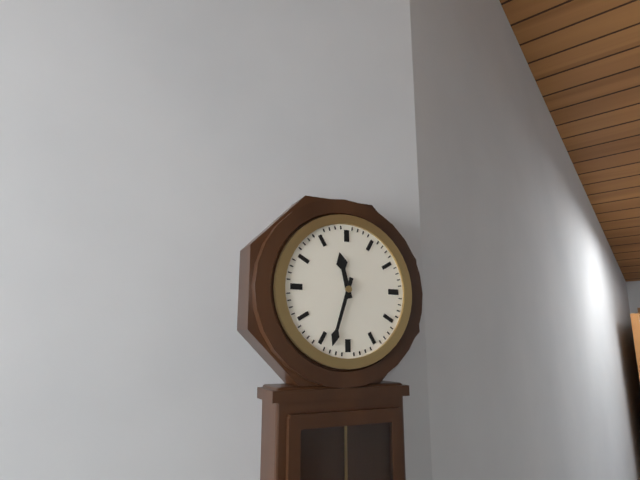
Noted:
11:33
